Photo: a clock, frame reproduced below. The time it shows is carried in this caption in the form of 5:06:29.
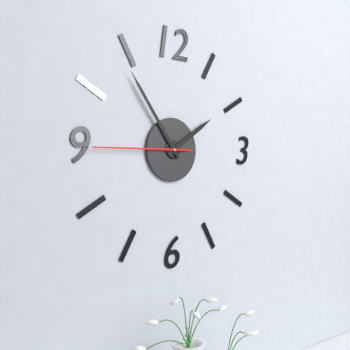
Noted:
1:54:45
